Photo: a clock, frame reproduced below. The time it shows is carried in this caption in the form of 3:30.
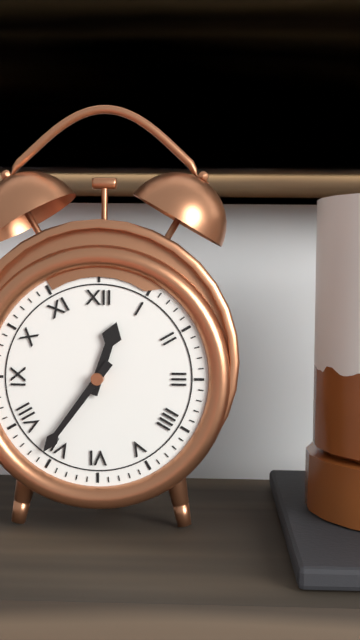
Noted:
12:36
